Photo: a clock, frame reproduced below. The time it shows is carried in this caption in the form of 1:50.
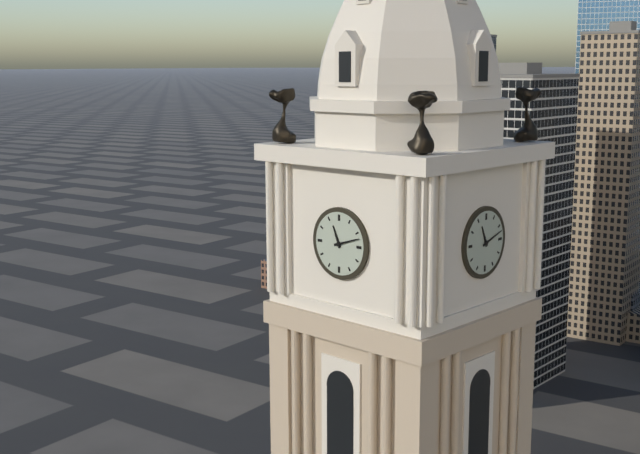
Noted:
11:12
